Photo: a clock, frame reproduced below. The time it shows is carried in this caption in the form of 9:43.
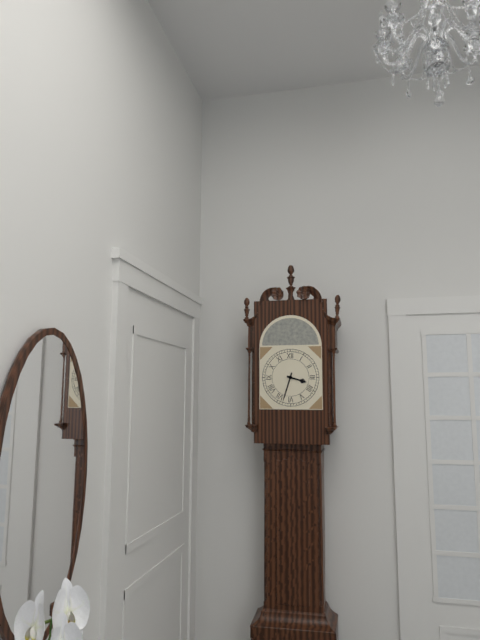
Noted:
3:33
